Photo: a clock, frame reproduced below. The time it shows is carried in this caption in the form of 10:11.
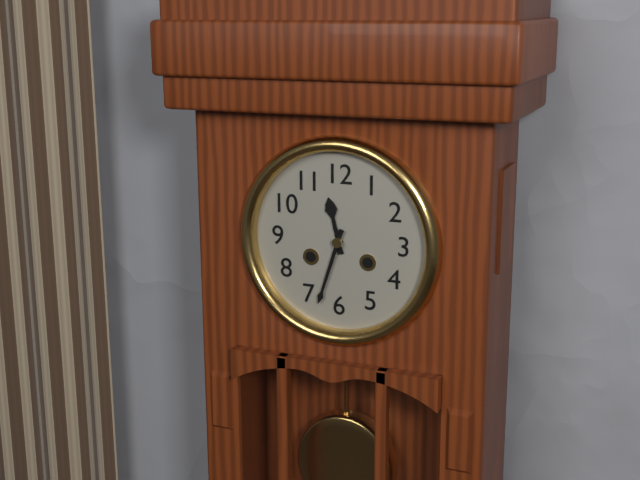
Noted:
11:33
